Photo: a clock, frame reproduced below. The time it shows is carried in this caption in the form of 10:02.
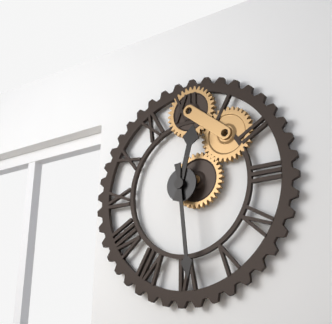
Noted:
12:29
